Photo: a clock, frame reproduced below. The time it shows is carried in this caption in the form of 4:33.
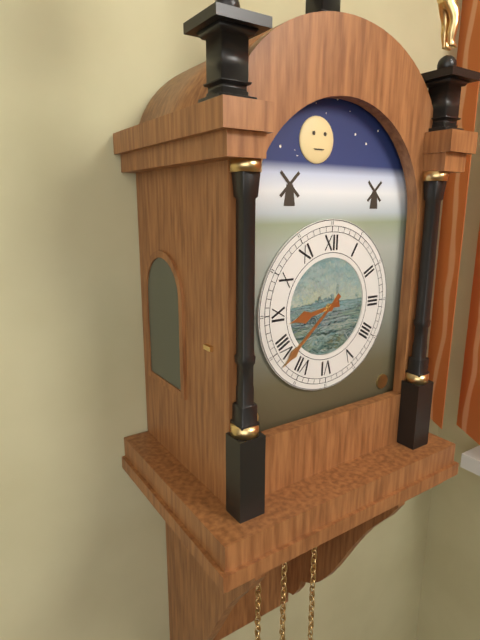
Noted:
8:38
